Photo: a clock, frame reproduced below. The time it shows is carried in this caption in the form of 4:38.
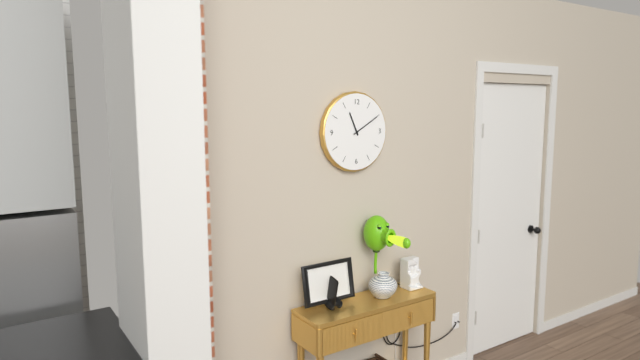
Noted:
11:10
